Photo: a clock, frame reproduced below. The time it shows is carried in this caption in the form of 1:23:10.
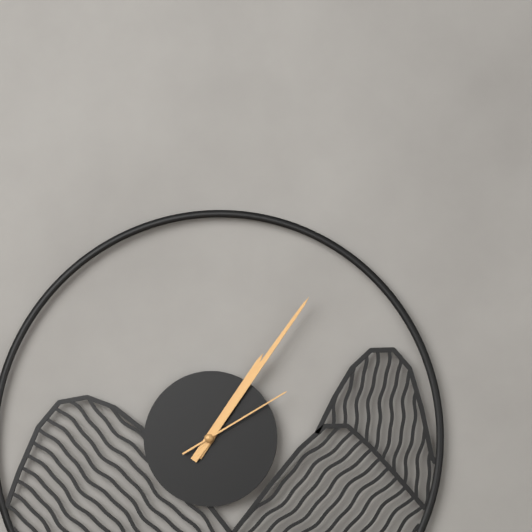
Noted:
1:06:10
